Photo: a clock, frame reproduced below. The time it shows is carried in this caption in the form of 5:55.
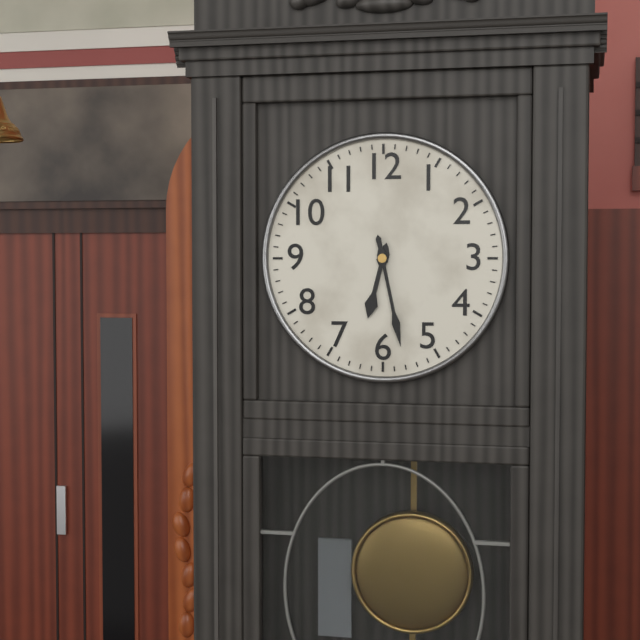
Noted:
6:28
